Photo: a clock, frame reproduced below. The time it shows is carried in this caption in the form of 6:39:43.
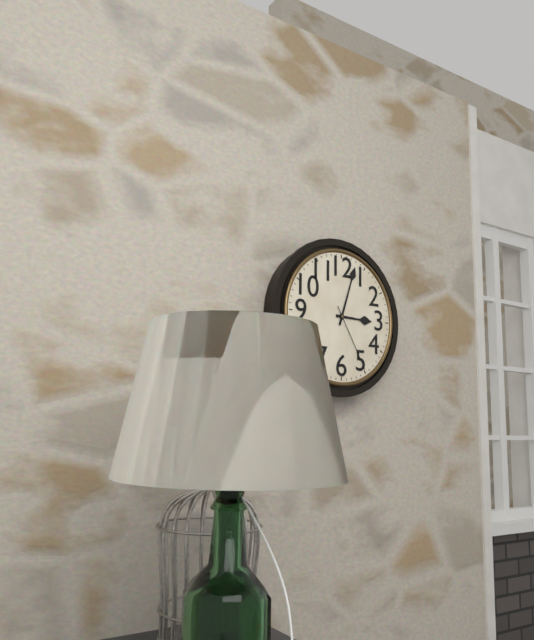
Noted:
3:03:25
